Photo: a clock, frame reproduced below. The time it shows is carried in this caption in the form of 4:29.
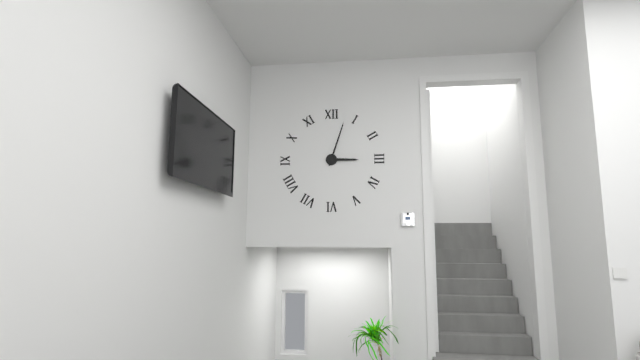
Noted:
3:03
